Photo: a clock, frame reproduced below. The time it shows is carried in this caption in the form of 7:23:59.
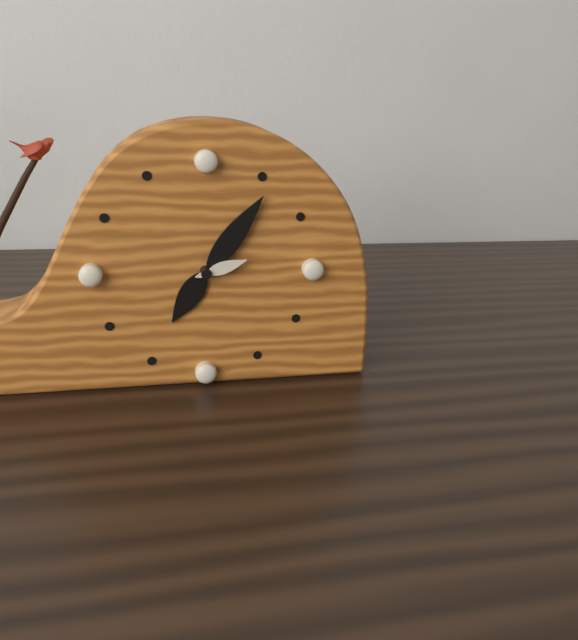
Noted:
7:06:12
